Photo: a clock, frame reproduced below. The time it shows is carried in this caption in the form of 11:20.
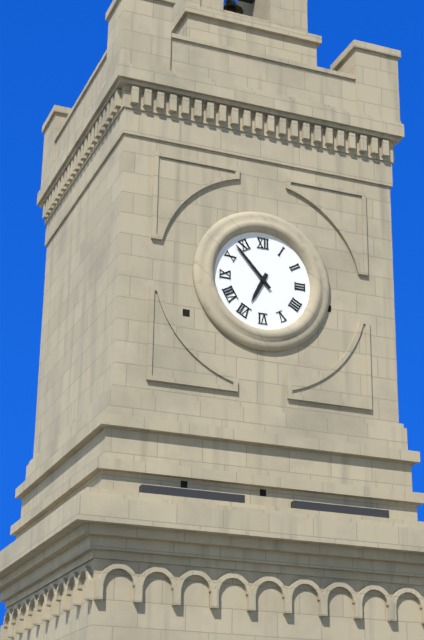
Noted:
6:53
